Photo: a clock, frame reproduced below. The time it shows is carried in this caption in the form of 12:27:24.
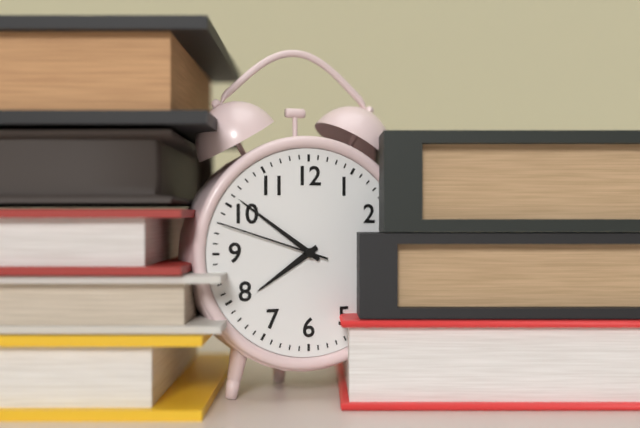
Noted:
7:51:48
